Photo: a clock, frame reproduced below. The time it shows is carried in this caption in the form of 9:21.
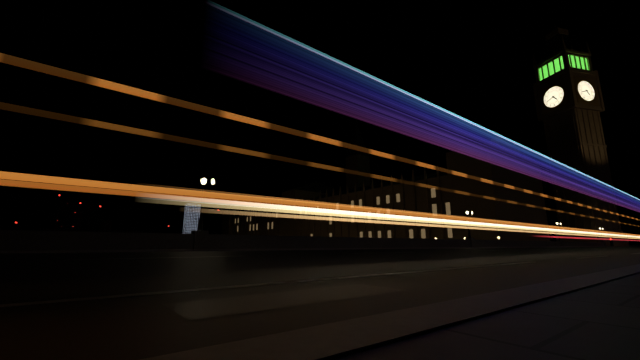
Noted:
4:42
